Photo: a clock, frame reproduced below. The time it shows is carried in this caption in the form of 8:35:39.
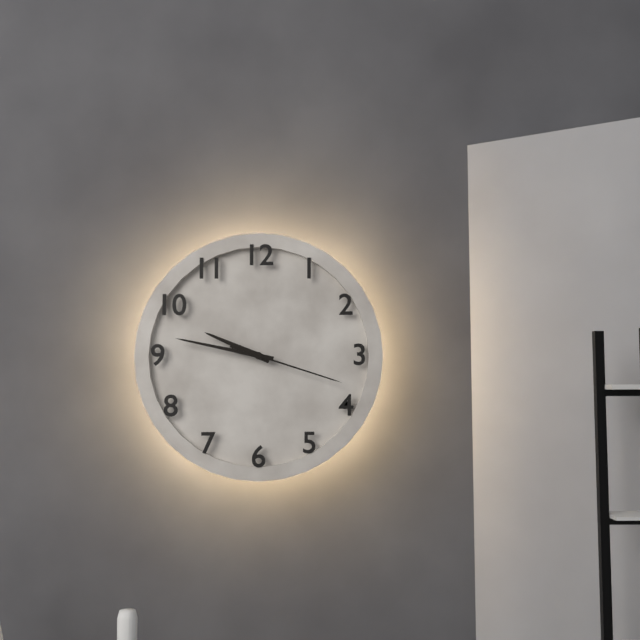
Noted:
9:47:18
